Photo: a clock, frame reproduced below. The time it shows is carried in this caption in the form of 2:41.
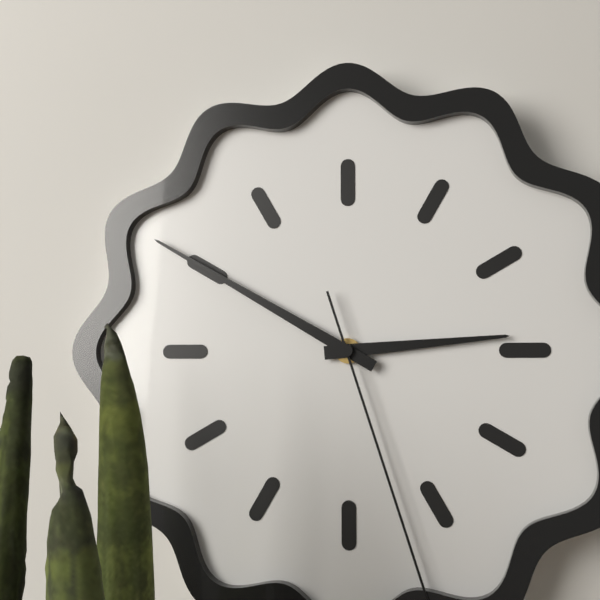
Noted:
2:50
